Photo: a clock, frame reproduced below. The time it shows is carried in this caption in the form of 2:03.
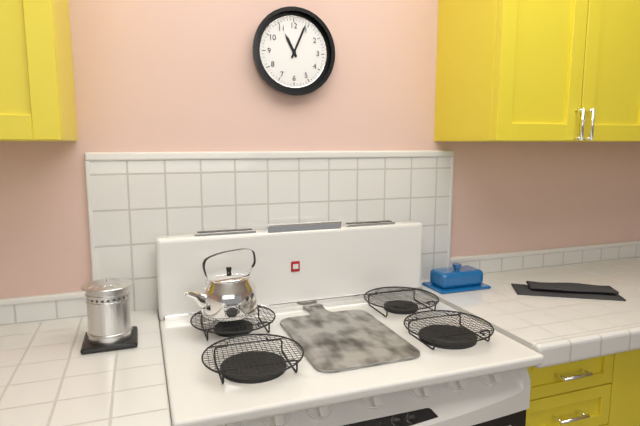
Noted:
11:04
